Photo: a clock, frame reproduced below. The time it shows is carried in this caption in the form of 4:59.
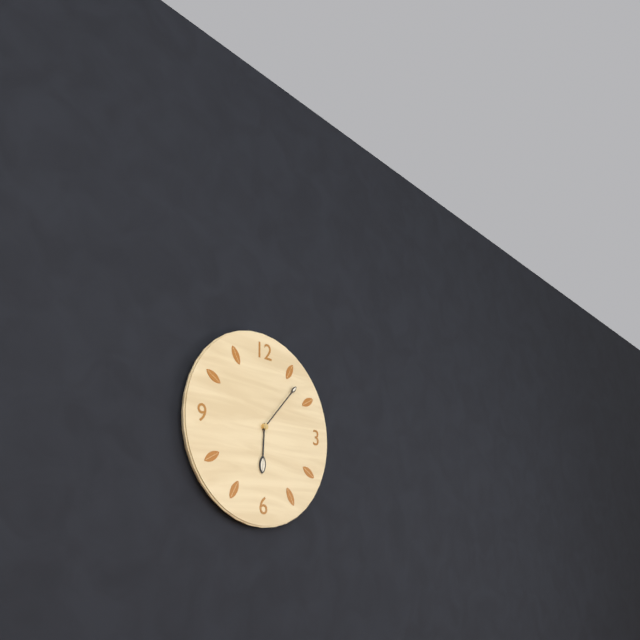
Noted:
6:07
